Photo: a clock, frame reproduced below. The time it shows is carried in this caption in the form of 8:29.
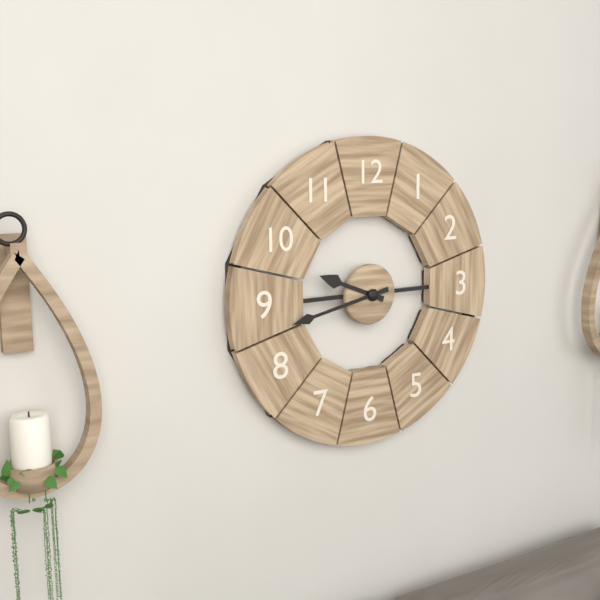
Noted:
9:43
